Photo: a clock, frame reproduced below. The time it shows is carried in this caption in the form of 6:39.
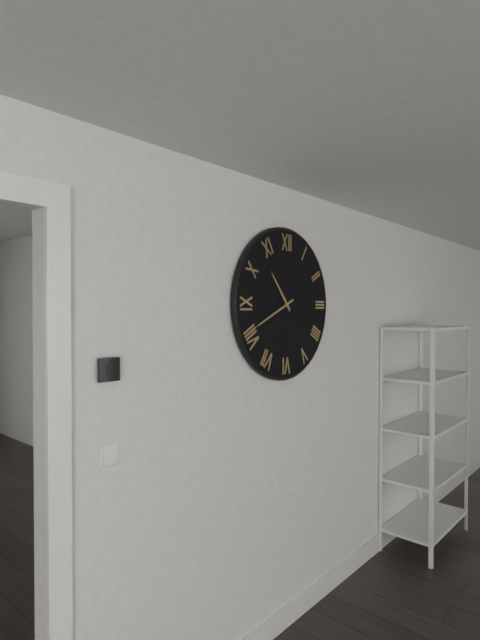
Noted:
10:41
